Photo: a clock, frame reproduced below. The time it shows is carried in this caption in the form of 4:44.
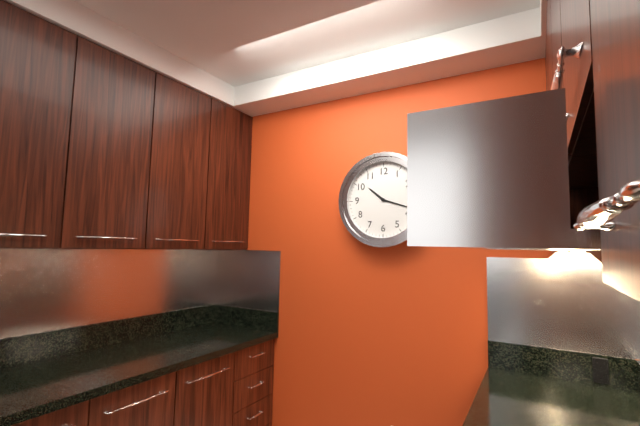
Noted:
10:18
